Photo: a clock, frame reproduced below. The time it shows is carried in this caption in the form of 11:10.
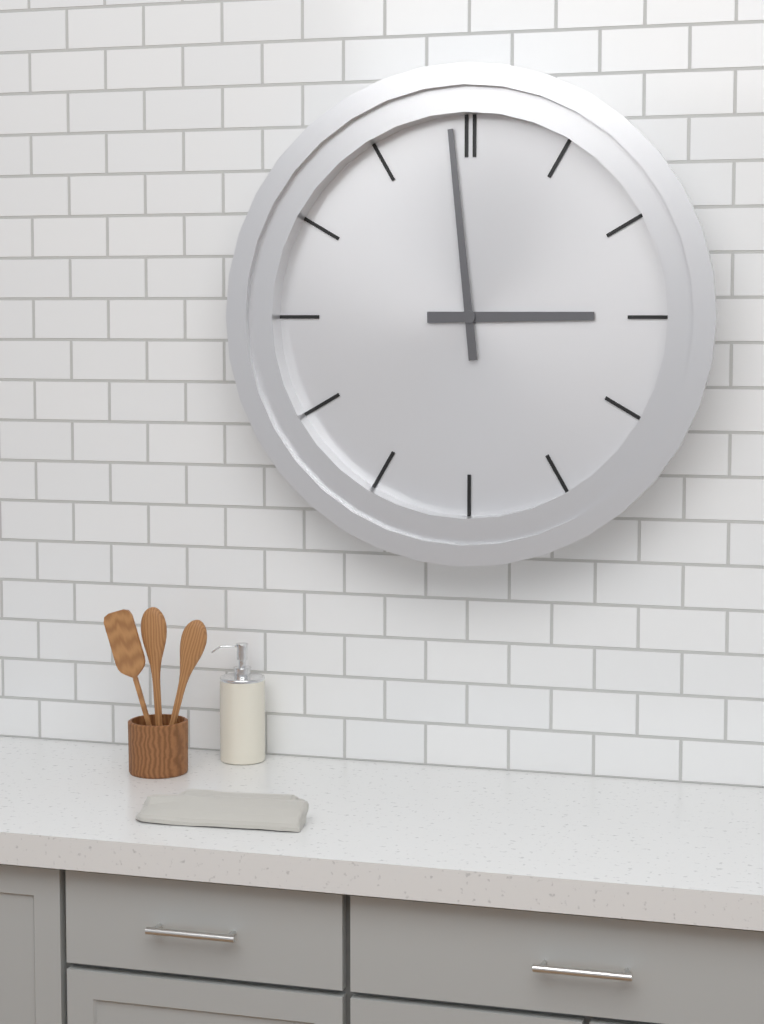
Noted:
2:59
